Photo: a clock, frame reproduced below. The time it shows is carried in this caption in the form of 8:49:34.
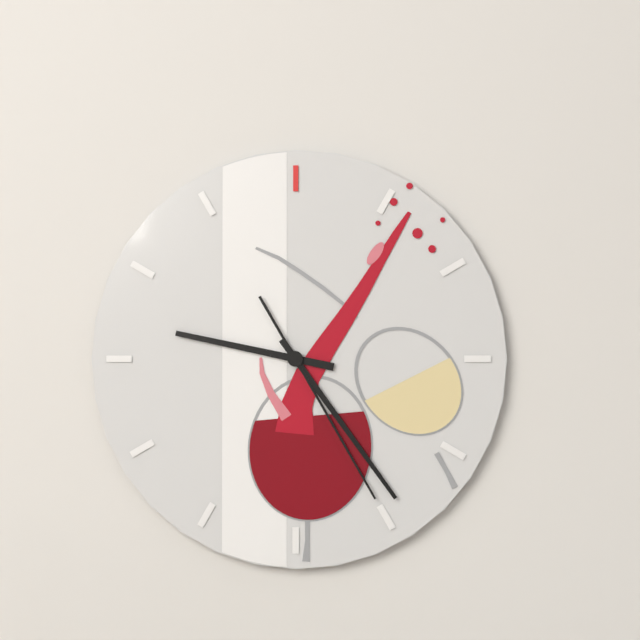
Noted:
9:24:25
